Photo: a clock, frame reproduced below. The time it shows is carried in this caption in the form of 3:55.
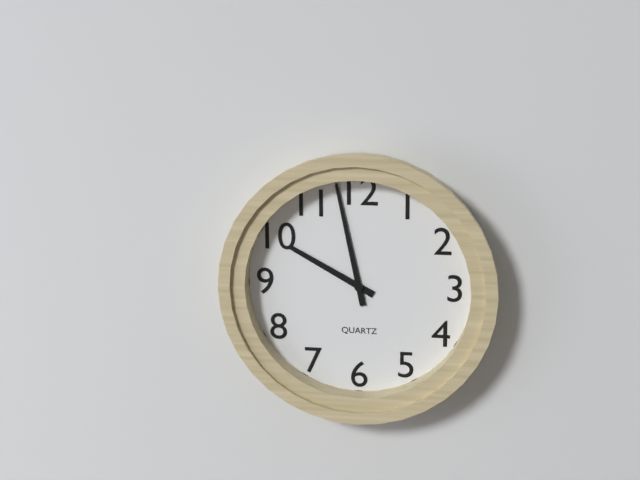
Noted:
9:58
